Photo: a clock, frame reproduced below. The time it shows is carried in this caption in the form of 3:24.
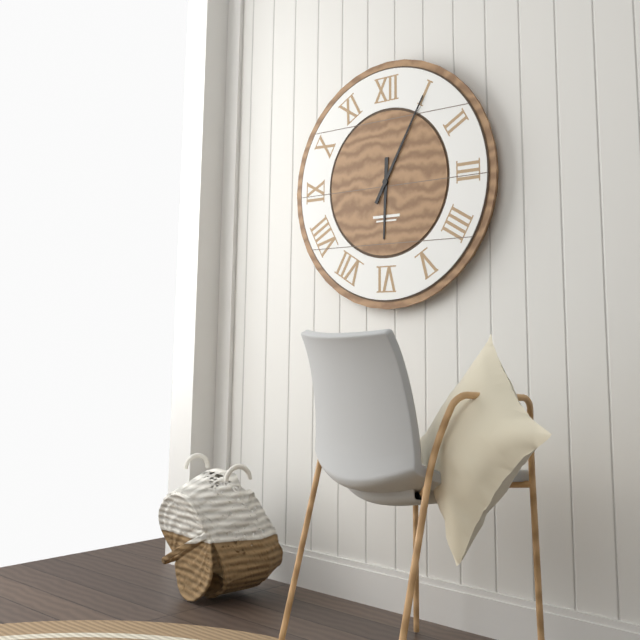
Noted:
6:05
